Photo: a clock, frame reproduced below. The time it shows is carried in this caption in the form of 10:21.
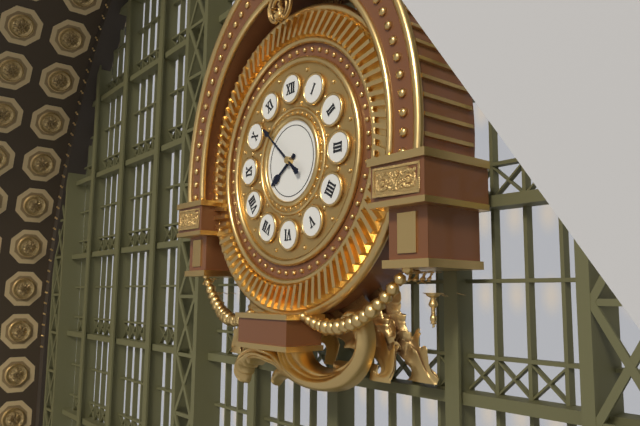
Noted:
7:52
